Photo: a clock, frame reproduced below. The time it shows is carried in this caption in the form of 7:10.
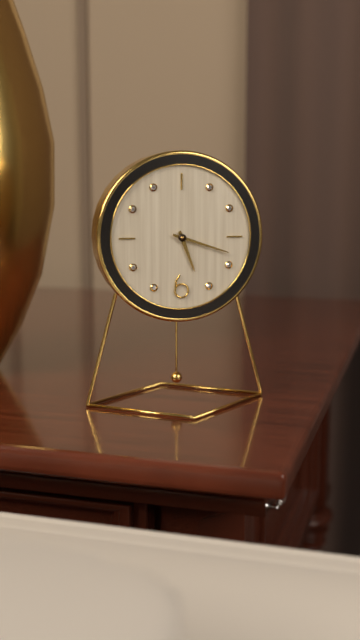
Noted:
5:18
